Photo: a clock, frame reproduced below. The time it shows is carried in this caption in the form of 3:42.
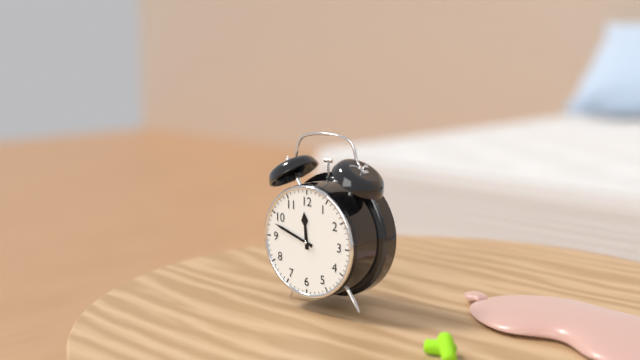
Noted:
11:48
